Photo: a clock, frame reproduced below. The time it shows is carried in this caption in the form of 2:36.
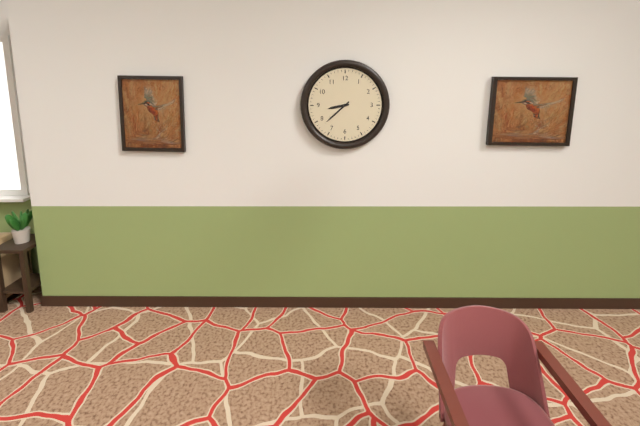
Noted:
8:38
